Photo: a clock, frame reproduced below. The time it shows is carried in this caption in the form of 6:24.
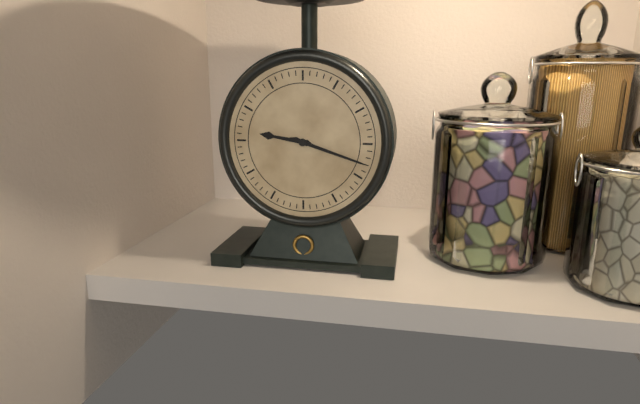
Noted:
9:18
